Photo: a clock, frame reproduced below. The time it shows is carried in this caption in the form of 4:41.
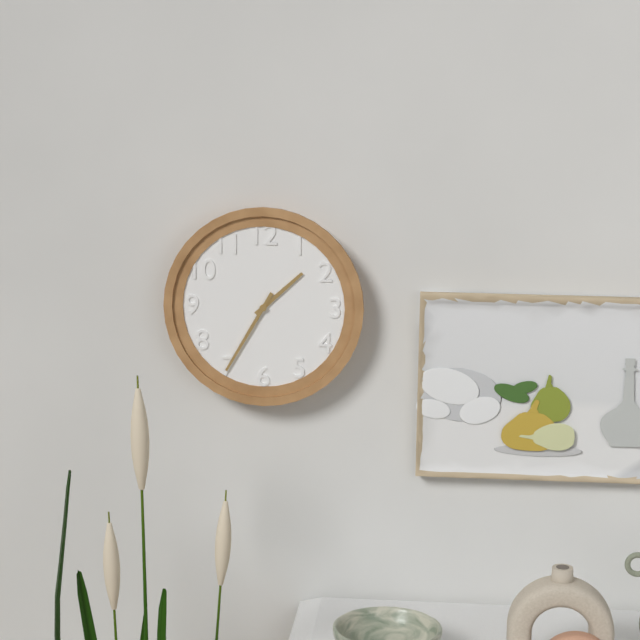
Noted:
1:35
